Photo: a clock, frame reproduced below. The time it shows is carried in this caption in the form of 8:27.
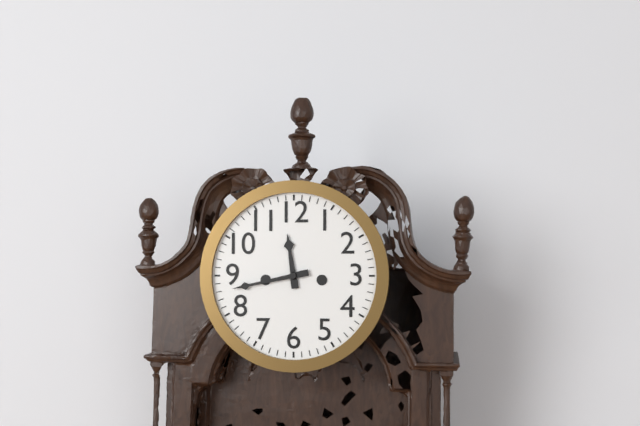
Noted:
11:43
